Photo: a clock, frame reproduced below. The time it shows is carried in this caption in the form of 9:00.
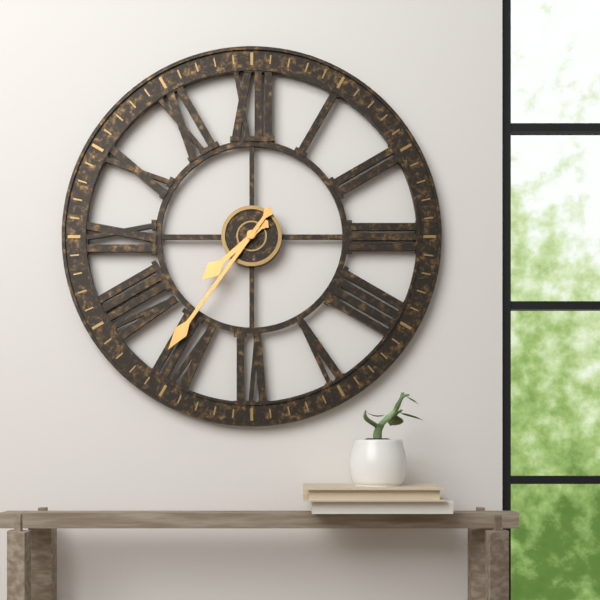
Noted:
7:36
